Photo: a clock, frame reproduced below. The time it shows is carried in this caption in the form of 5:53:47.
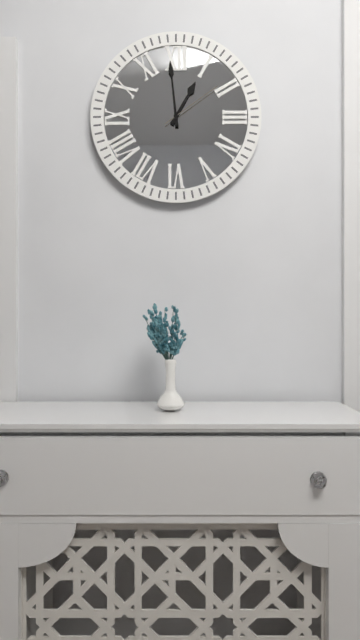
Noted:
12:59:09
